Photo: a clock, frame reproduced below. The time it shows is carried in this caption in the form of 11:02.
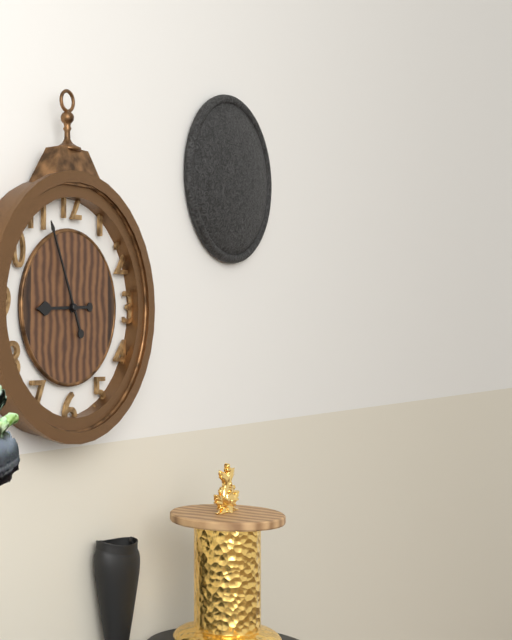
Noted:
8:56
